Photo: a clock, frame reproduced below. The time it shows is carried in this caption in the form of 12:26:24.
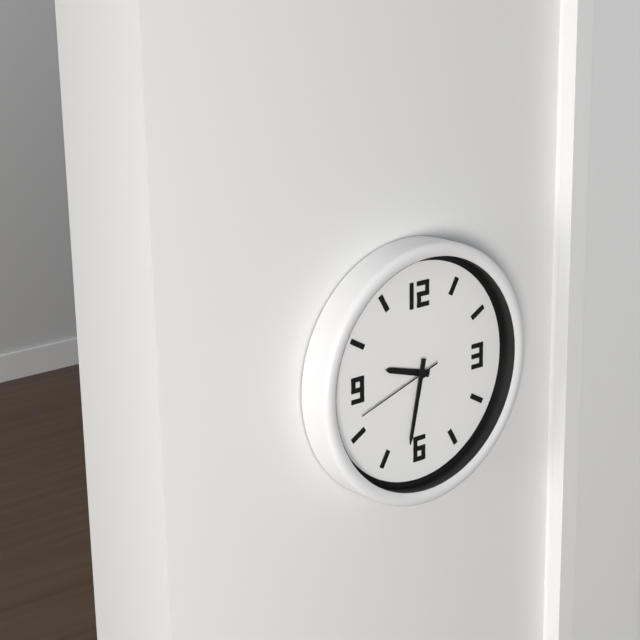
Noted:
9:32:42
